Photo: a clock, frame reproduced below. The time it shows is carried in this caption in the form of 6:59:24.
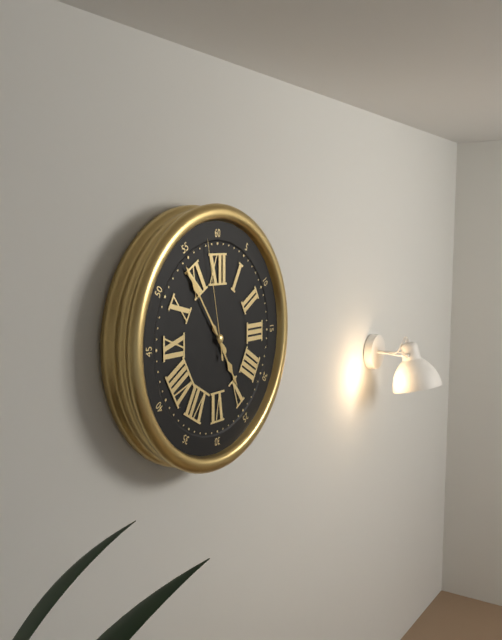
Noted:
4:54:58
